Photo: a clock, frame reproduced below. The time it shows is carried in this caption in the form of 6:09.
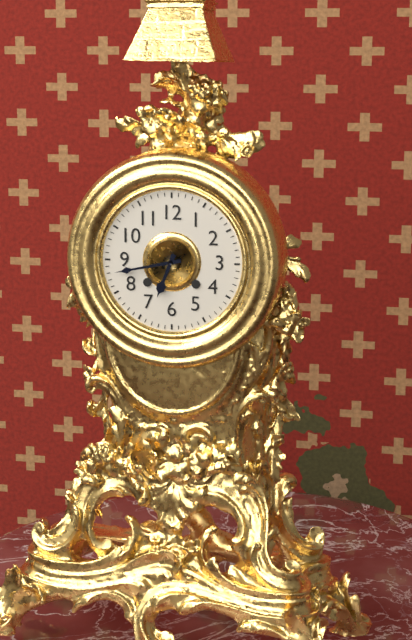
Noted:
6:43
